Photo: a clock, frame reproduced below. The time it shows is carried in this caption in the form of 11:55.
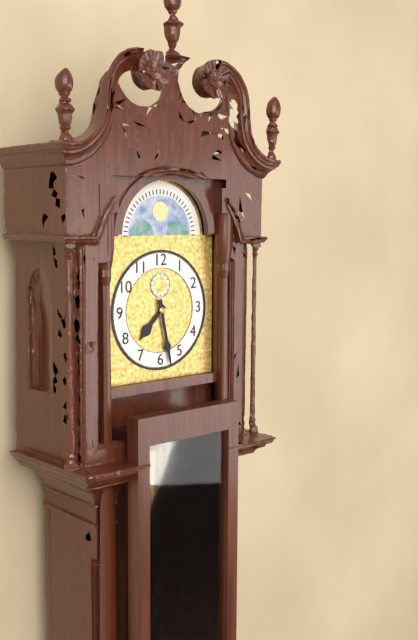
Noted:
7:28
